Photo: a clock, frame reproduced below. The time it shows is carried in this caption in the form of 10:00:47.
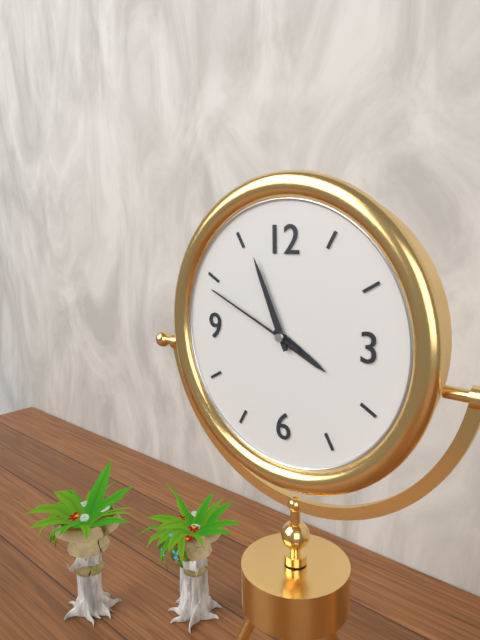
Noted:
3:56:49
